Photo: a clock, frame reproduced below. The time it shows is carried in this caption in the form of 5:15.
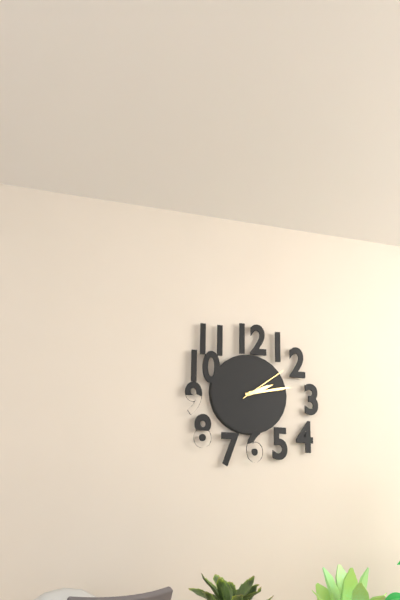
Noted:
2:13
